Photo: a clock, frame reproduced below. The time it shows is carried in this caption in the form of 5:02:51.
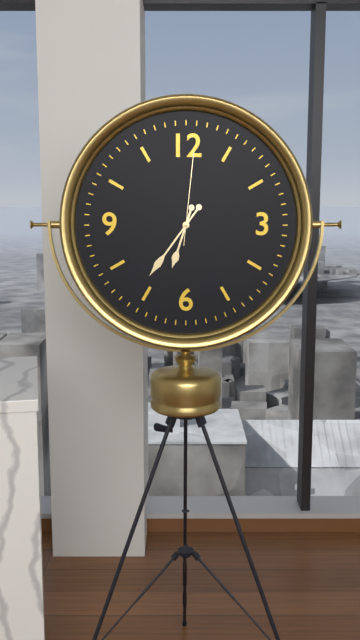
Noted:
6:36:01
